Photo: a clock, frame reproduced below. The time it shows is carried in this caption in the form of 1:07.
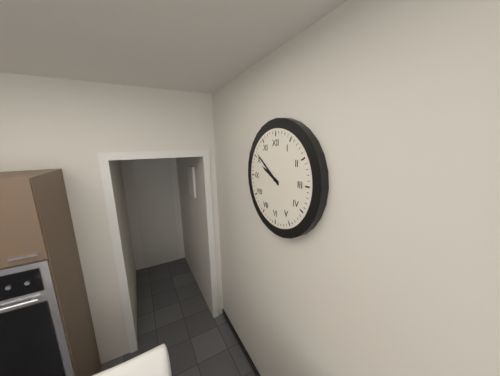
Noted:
9:51
